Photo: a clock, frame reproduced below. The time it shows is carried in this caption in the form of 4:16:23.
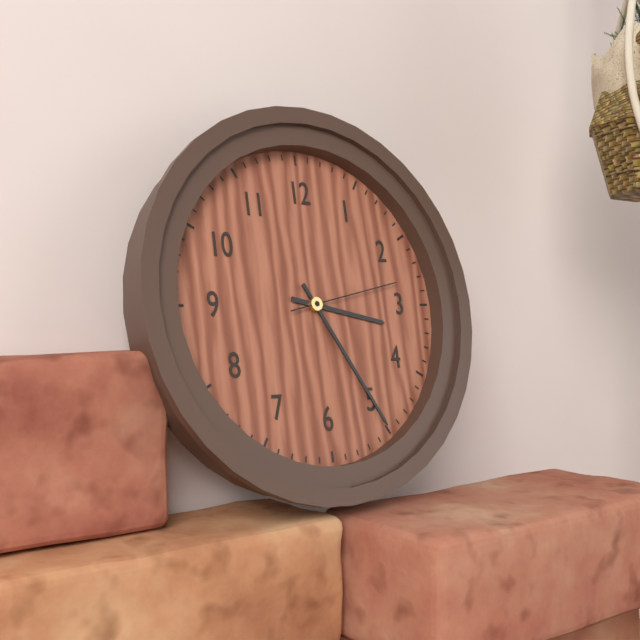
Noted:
3:25:13
